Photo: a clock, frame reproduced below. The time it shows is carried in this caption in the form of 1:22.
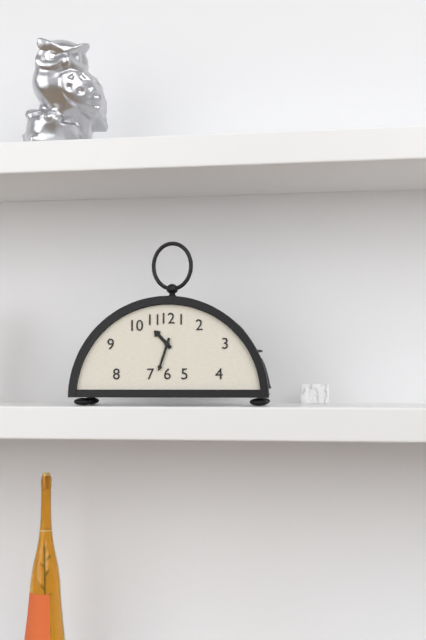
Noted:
10:33
